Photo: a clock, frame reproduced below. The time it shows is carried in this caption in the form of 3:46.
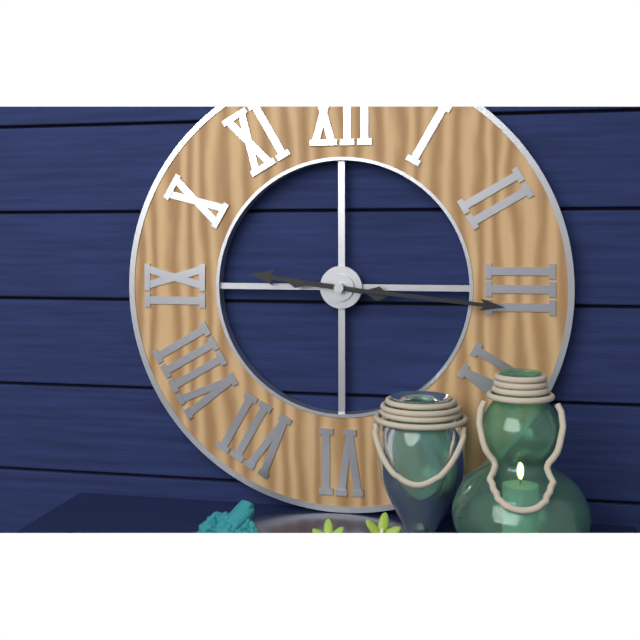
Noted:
9:16
